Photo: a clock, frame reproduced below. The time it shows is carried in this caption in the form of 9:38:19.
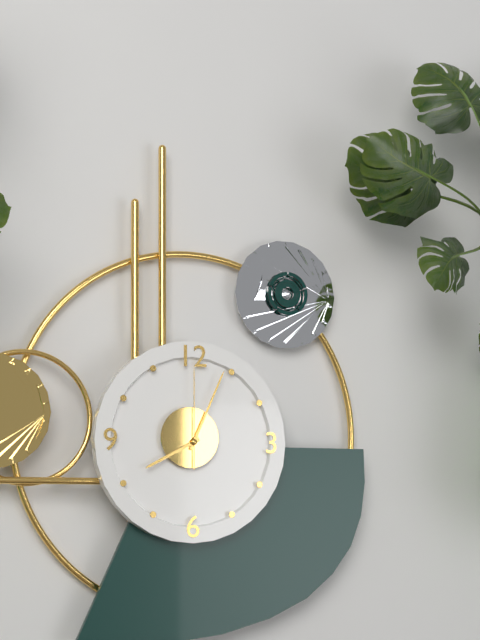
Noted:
8:04:00
